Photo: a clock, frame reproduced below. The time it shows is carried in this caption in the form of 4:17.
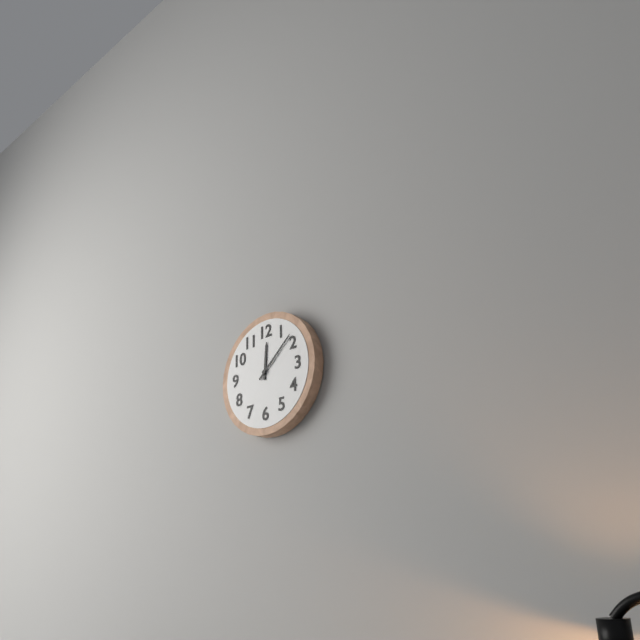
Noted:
12:08
